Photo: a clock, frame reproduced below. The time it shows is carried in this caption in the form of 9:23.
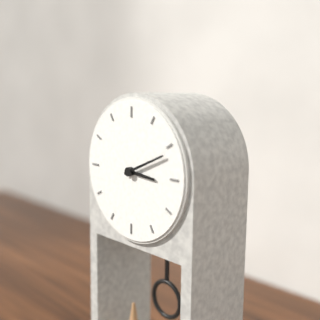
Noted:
3:11
